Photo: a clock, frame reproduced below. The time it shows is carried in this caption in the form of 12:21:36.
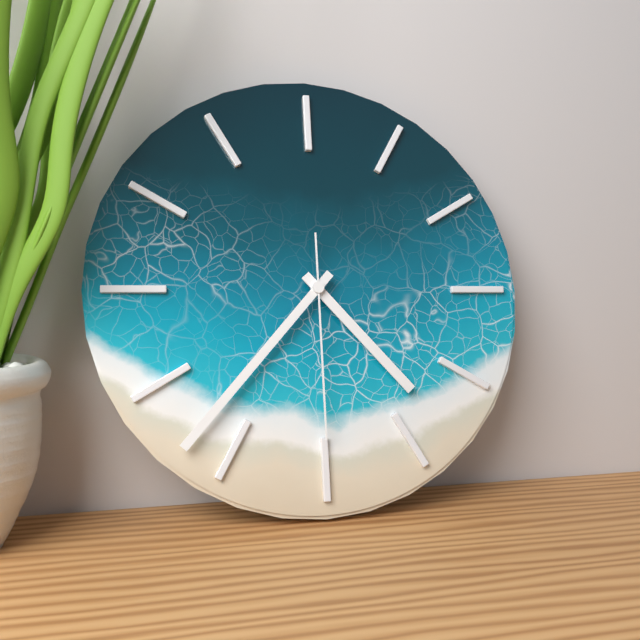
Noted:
4:37:30
